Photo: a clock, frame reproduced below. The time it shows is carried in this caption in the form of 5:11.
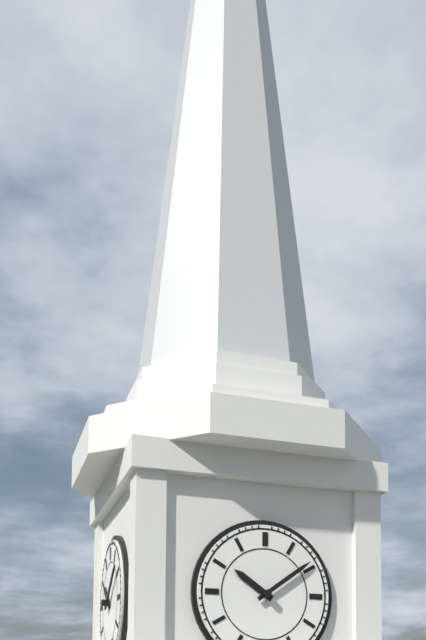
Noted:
10:09
